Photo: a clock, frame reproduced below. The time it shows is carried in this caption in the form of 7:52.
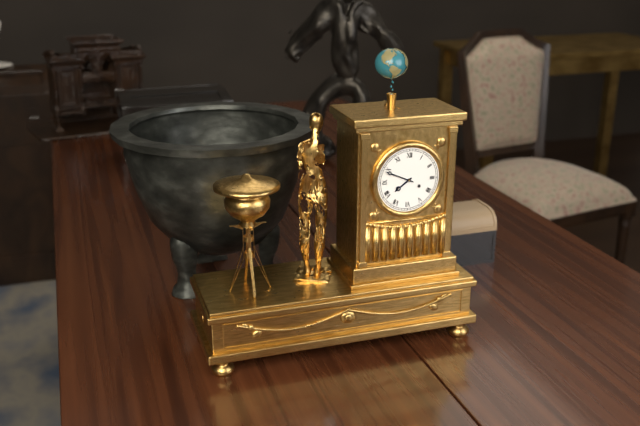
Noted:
7:49
